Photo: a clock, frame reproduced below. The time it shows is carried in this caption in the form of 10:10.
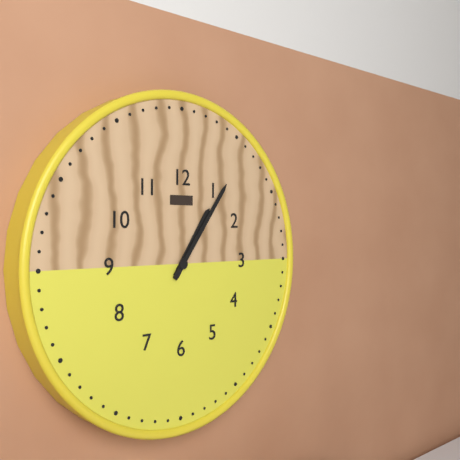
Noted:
1:06
